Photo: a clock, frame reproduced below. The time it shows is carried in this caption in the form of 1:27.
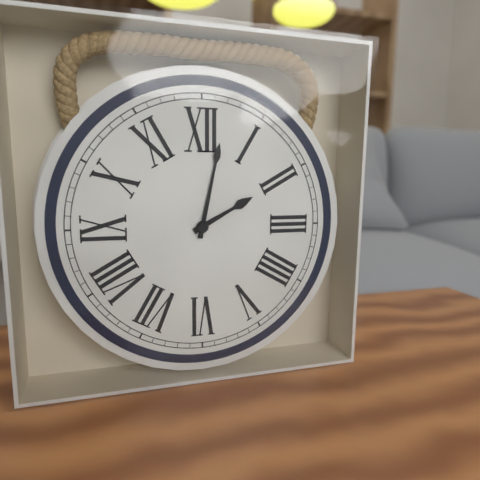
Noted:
2:02
